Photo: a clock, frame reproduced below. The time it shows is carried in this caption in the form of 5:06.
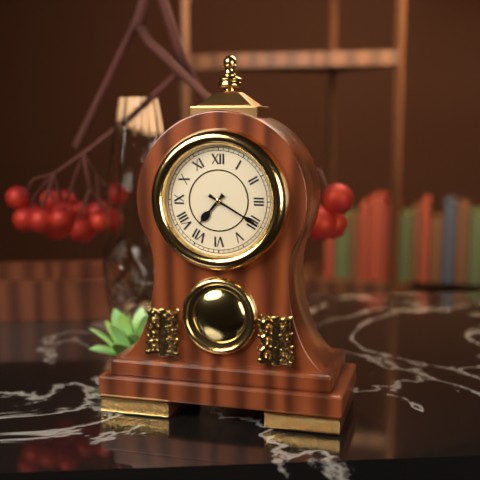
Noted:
7:20
